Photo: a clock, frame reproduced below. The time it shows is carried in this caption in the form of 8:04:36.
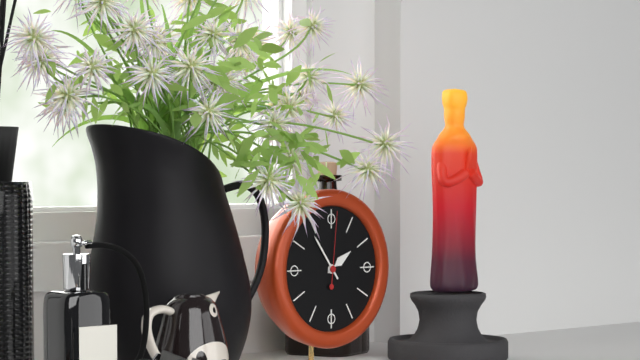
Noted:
1:54:01
